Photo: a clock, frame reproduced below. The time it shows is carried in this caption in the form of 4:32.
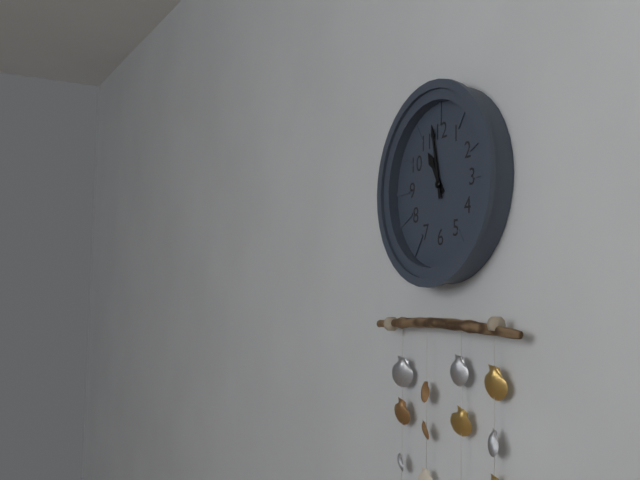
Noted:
10:58
